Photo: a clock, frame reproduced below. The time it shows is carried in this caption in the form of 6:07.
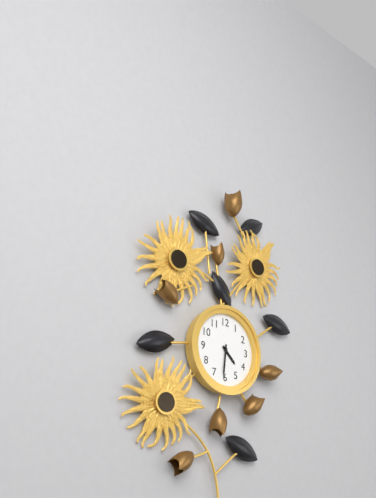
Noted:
4:31
